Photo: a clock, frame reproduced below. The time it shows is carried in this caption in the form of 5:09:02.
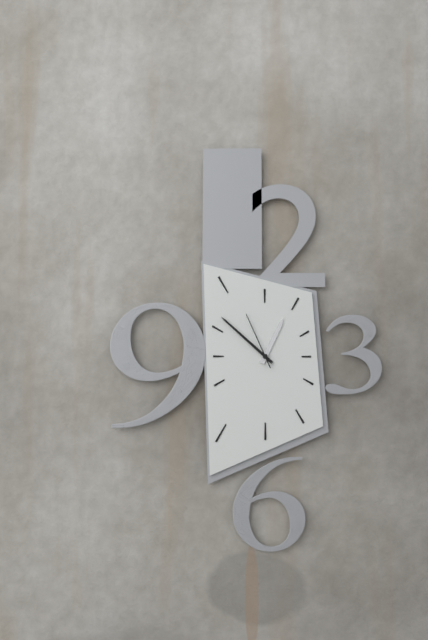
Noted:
12:52:56
